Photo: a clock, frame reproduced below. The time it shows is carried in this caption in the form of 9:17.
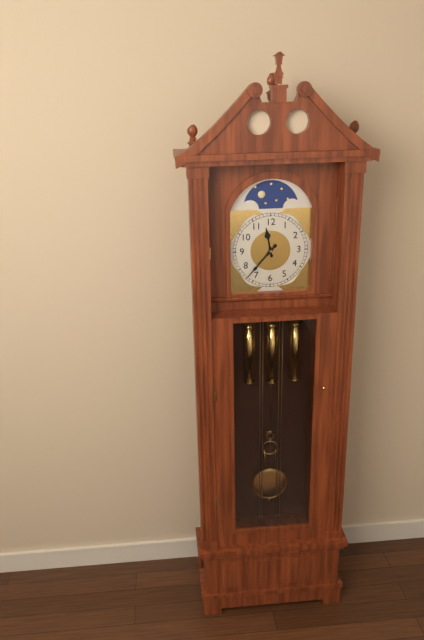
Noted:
11:37
